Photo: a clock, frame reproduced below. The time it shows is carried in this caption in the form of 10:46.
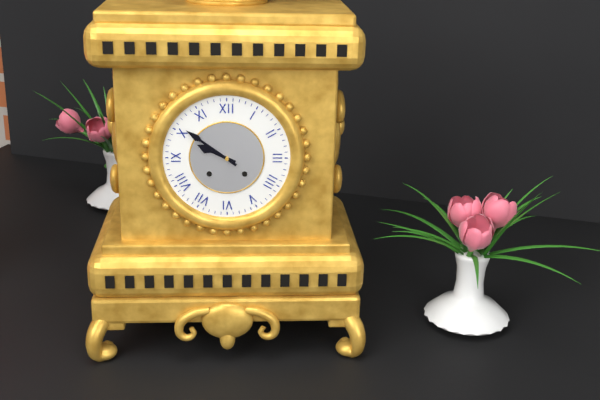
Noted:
9:51
